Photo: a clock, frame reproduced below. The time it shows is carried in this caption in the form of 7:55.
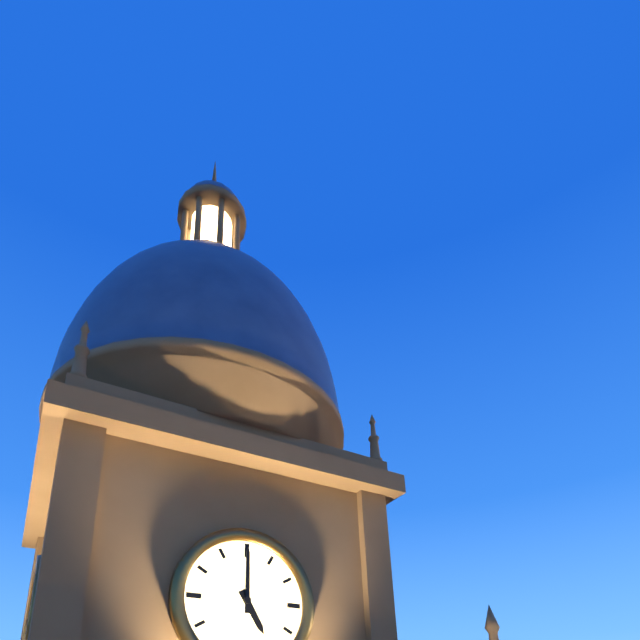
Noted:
5:00
